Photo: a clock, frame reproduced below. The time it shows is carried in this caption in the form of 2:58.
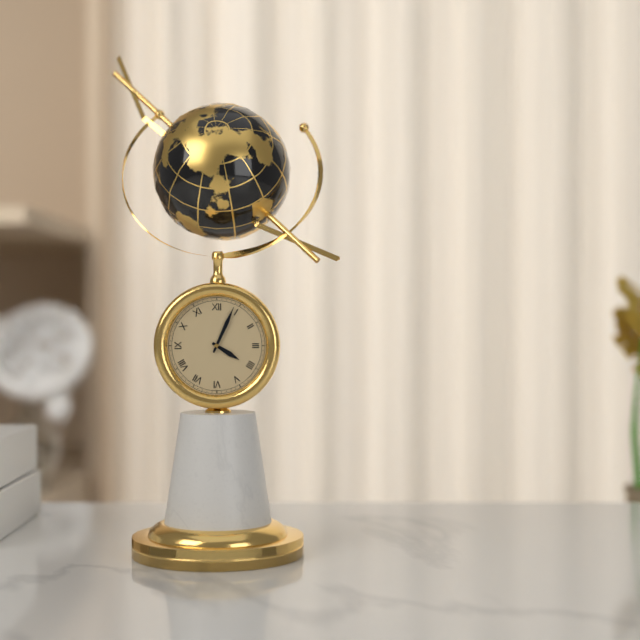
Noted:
4:04
